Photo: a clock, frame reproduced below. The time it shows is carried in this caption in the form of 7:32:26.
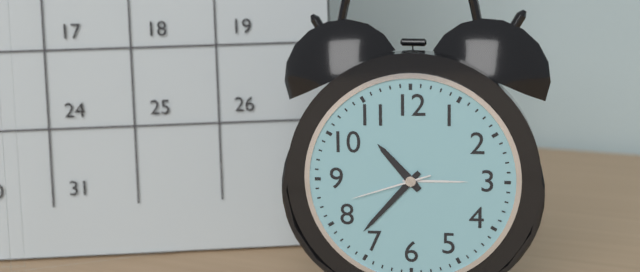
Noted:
10:37:42
